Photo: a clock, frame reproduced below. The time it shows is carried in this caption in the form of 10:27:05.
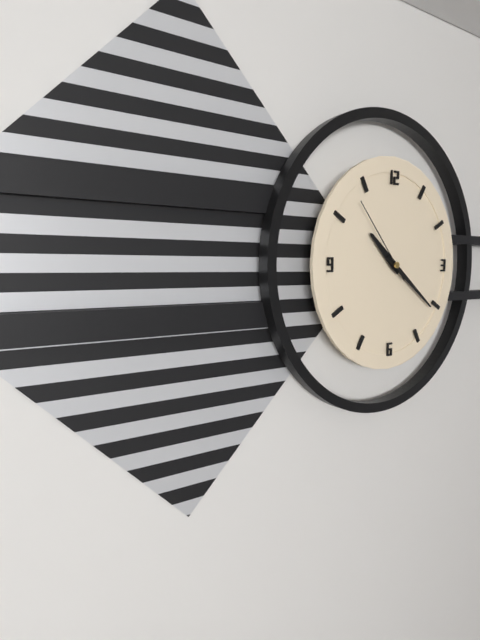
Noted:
10:21:53
